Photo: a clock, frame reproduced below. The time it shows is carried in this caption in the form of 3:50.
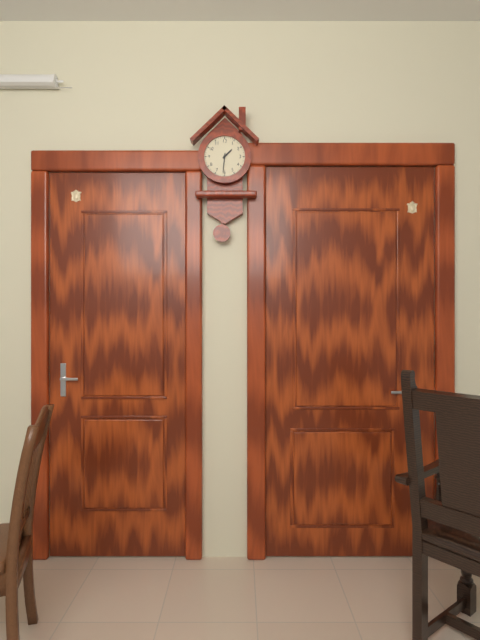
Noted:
1:31
